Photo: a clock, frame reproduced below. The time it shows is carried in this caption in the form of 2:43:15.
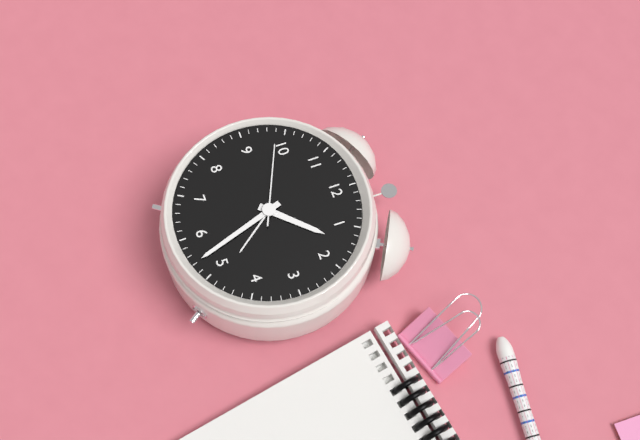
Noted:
1:27:49
